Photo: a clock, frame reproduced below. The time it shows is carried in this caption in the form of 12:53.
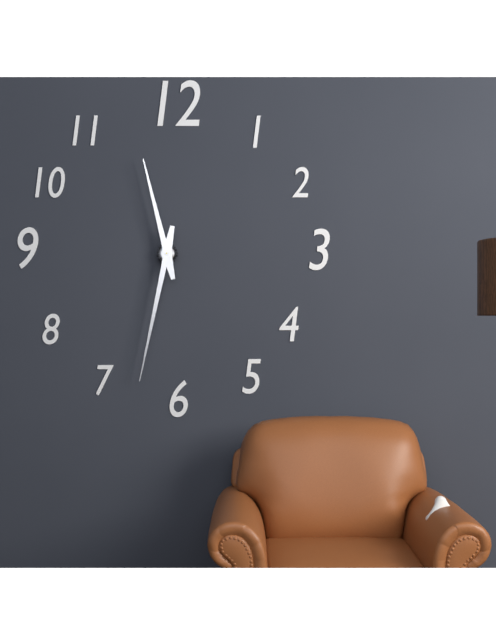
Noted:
11:32
